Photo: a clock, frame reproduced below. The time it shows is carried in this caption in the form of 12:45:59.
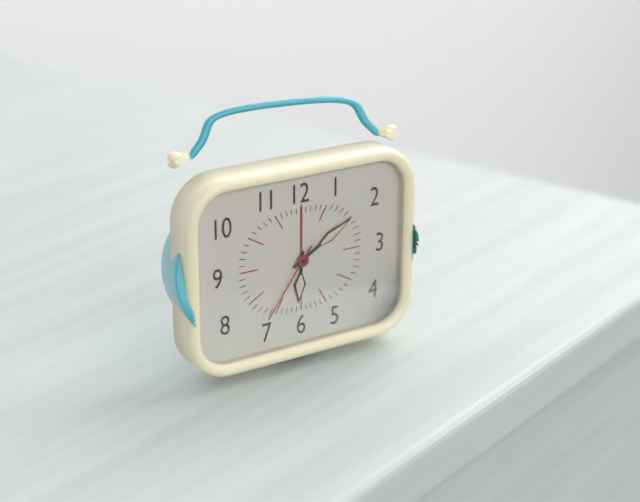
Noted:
6:10:36
